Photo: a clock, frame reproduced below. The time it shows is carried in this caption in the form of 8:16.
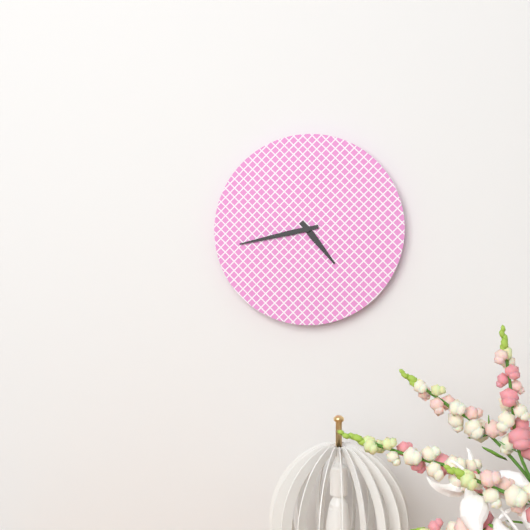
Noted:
4:43
